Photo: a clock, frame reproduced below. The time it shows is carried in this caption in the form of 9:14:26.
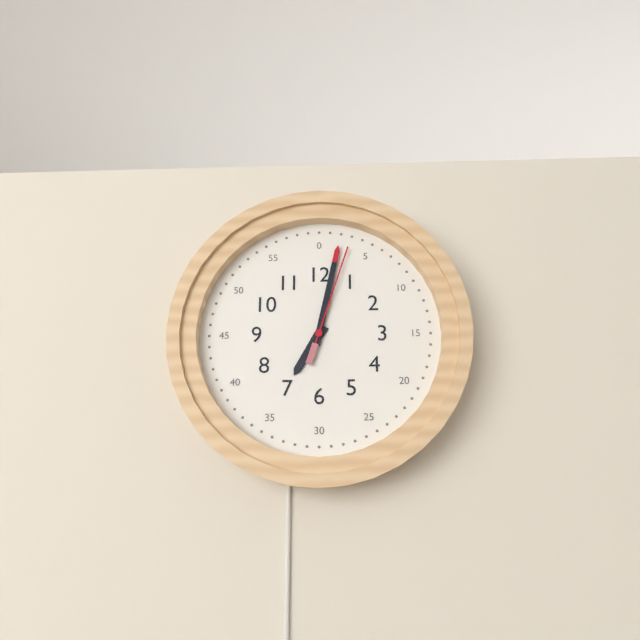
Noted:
7:02:03
